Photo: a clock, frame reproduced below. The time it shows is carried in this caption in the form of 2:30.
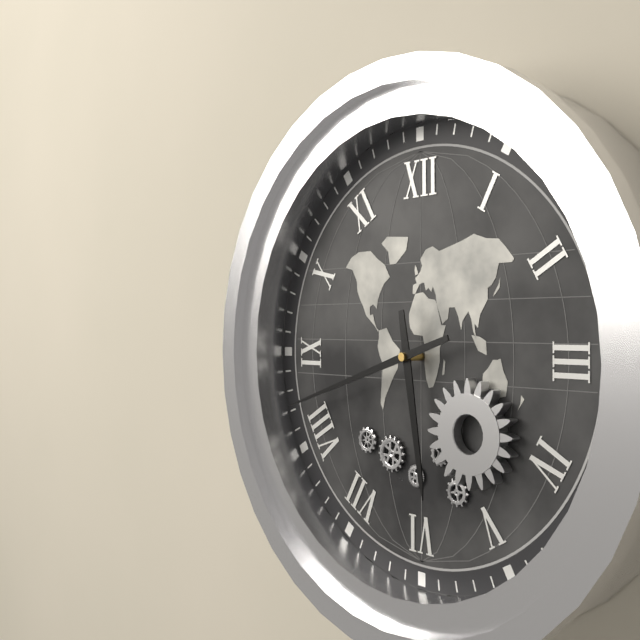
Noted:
5:42
